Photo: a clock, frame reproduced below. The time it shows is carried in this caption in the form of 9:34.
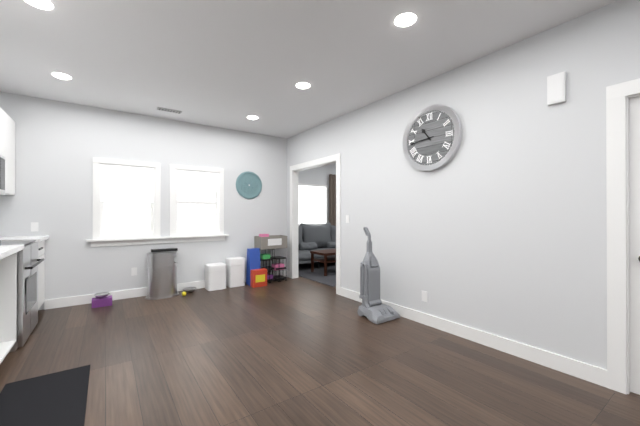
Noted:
10:44
